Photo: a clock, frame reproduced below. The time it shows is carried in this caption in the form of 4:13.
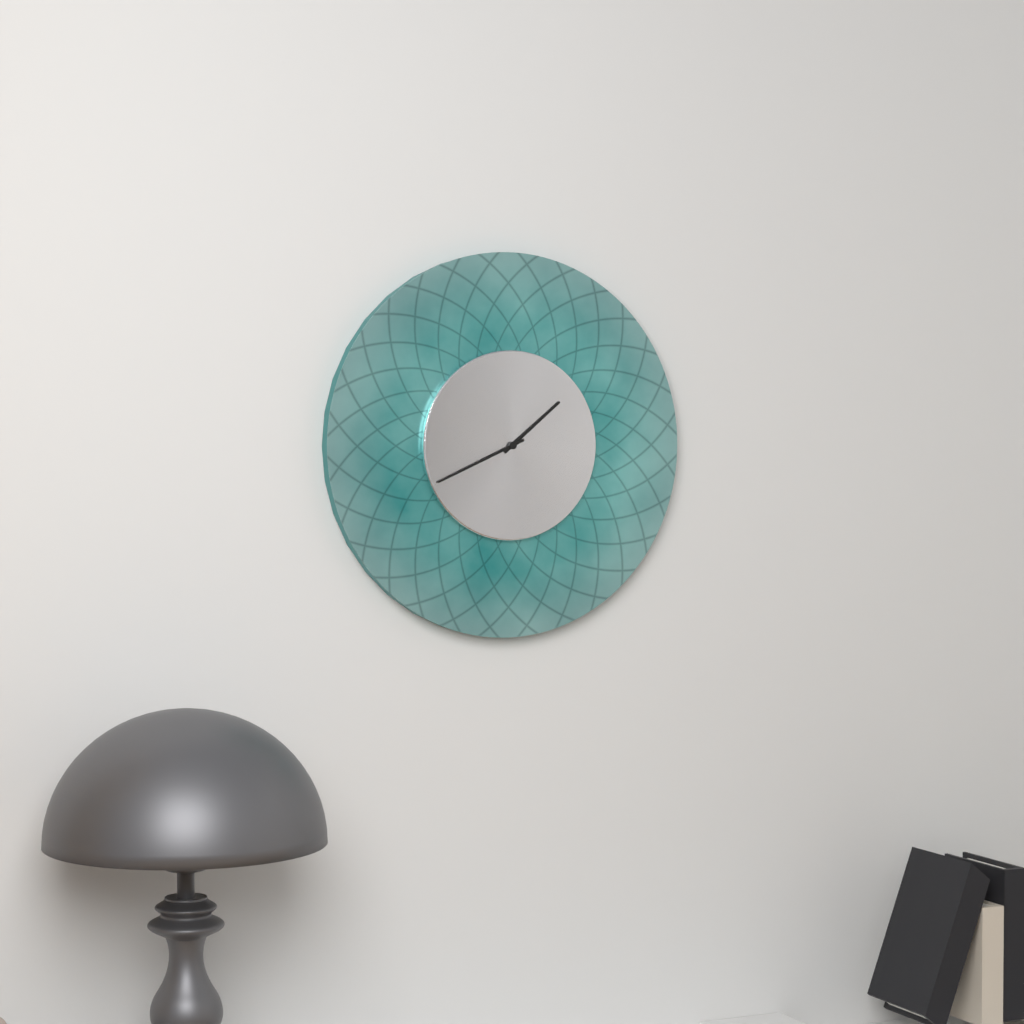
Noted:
1:41
